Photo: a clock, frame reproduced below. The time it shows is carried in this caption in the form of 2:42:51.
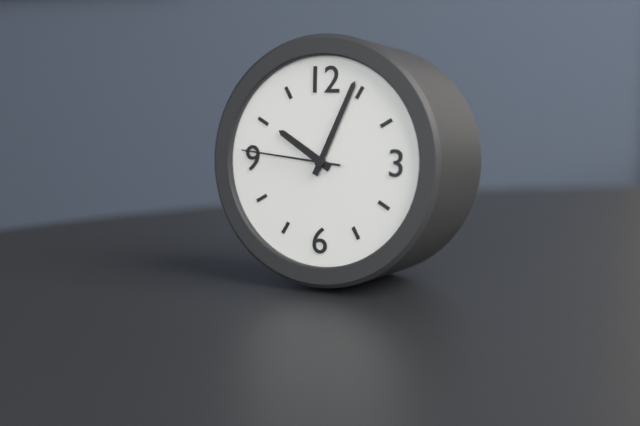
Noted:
10:04:46
